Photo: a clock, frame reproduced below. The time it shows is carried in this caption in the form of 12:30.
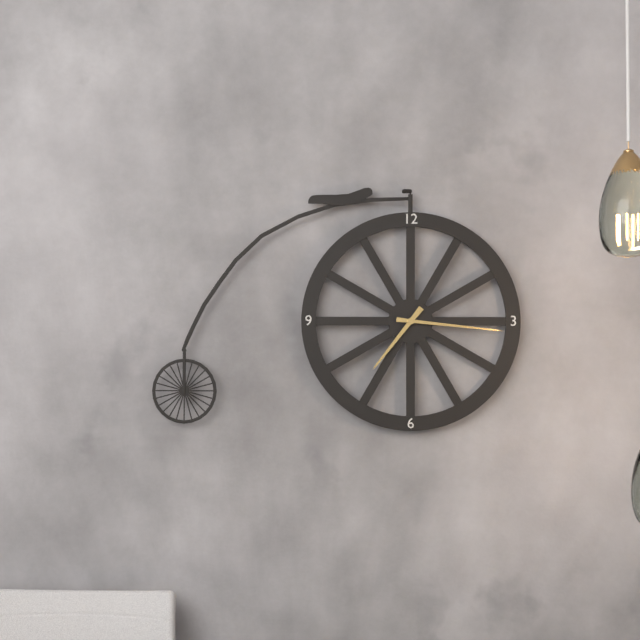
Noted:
7:16
